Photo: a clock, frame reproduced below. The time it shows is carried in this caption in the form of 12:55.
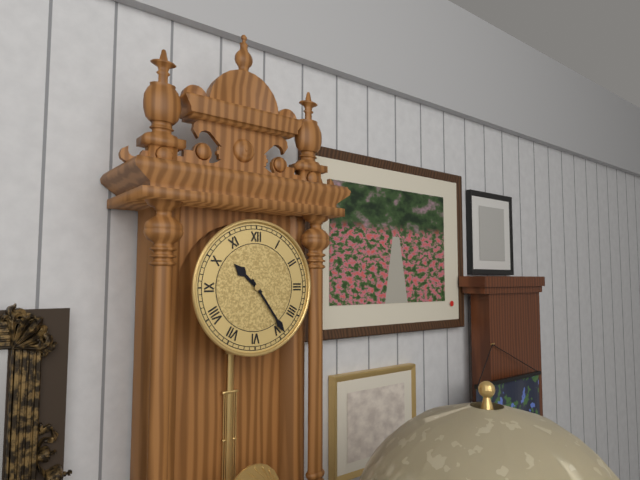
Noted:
10:24
